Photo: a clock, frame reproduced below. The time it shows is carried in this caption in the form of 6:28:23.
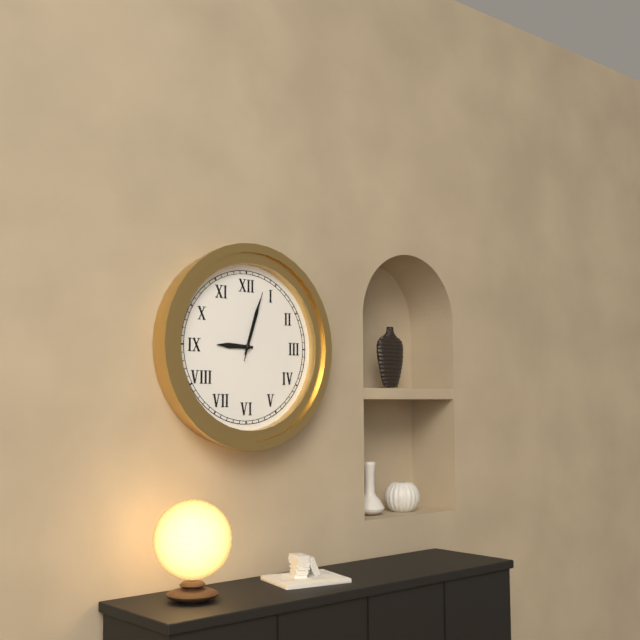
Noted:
9:03:03
